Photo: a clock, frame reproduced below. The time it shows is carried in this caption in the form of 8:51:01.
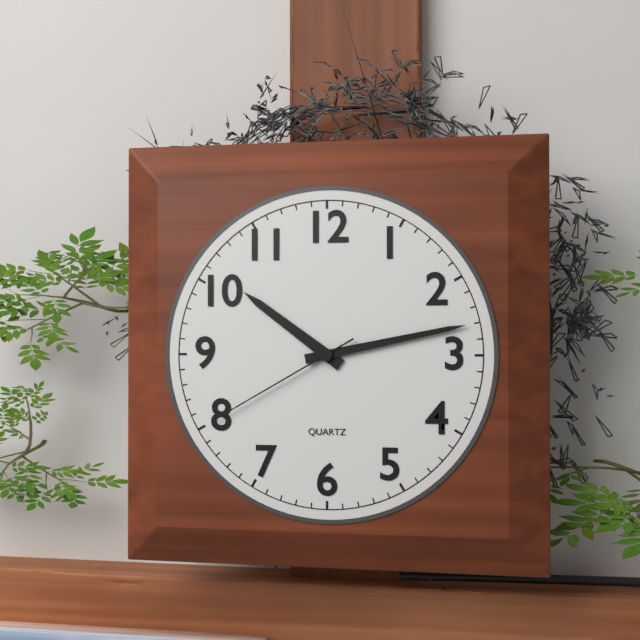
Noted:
10:13:40
